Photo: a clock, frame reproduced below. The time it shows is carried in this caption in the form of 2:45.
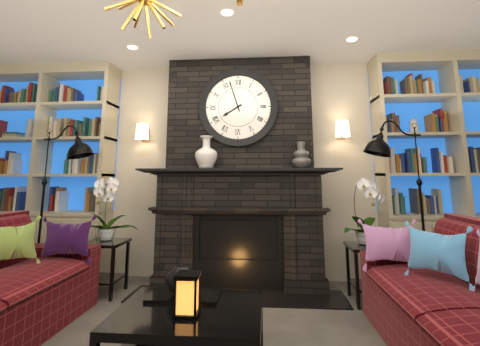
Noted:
7:57
